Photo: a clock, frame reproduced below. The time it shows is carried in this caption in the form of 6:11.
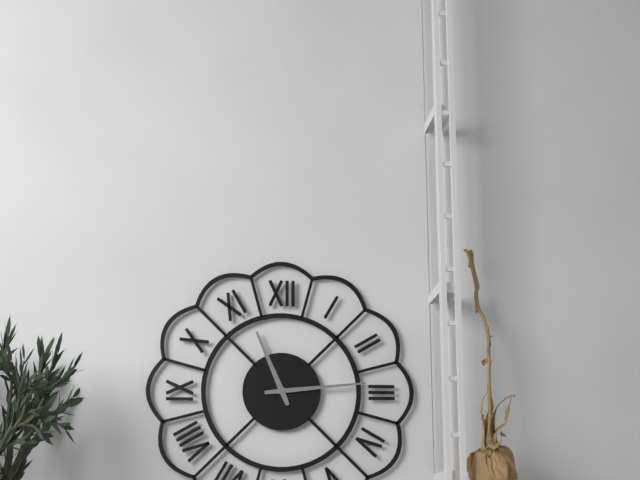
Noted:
11:14
